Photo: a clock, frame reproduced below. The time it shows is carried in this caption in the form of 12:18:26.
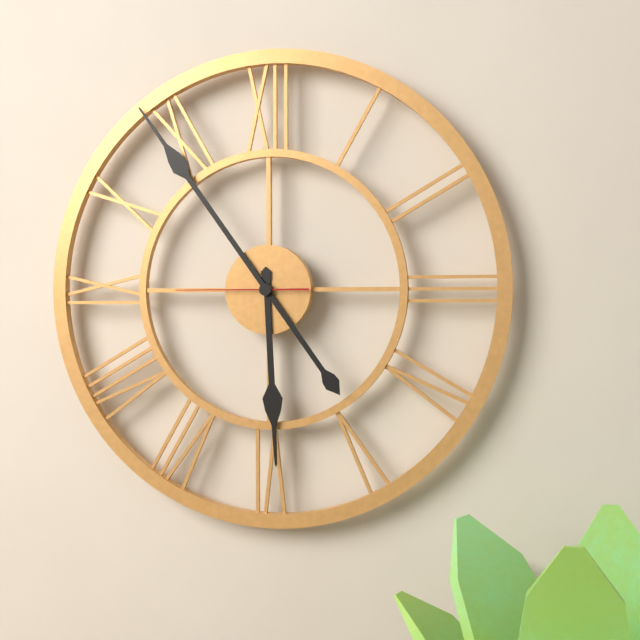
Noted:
5:54:45
